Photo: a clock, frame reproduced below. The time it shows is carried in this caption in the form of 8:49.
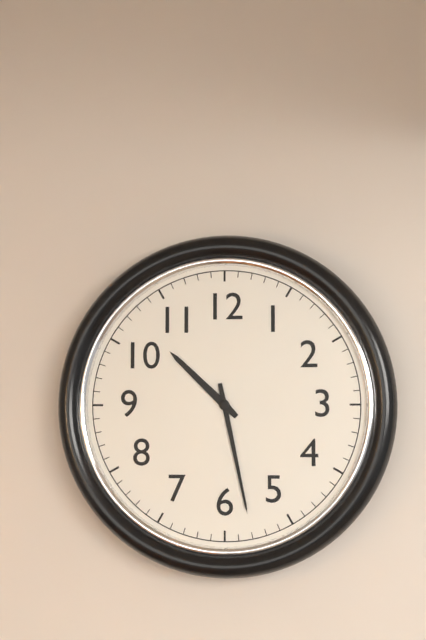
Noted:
10:28
